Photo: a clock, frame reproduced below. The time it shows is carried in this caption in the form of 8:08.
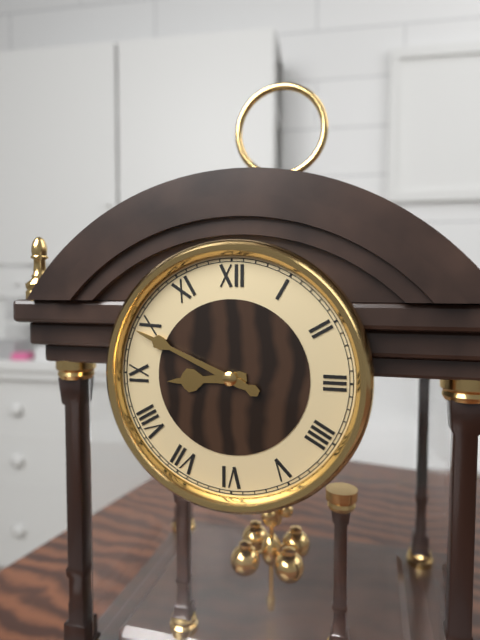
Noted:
8:49
